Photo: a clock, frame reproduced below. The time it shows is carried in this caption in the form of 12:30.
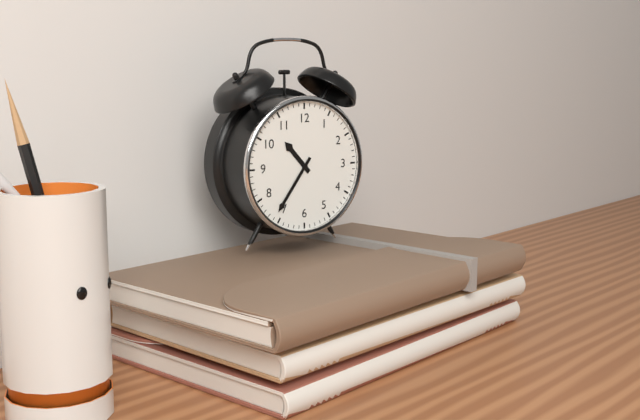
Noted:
10:36
